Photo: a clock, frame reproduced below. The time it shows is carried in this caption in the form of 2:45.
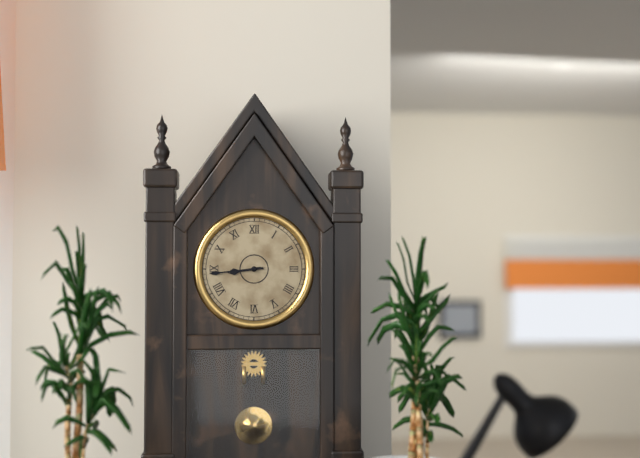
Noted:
8:44
